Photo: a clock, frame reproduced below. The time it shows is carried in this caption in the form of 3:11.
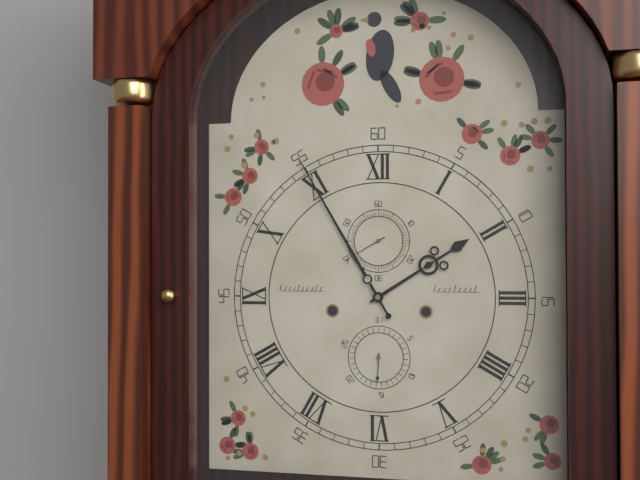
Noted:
1:55
